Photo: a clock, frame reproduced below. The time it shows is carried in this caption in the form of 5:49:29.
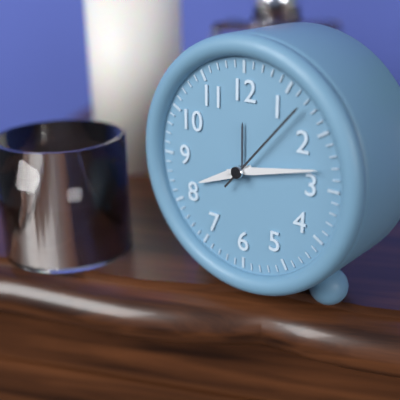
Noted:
8:13:07
